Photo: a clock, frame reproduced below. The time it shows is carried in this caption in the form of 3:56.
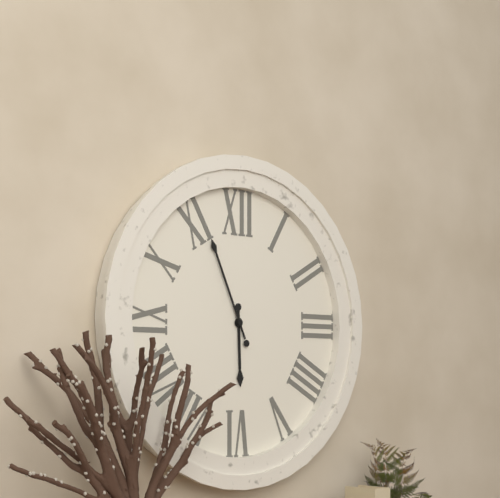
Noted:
5:56
